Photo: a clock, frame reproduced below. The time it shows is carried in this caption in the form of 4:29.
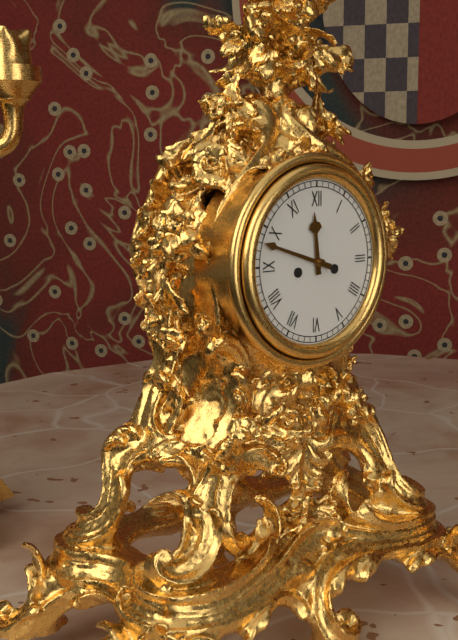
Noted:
11:48
